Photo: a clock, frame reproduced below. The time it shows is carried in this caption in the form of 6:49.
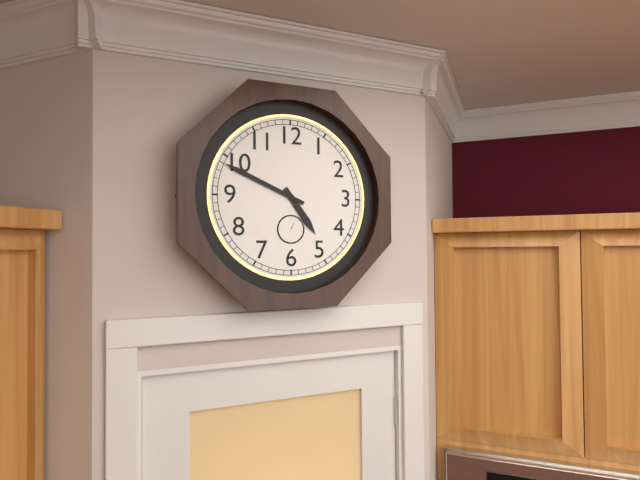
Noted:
4:49
